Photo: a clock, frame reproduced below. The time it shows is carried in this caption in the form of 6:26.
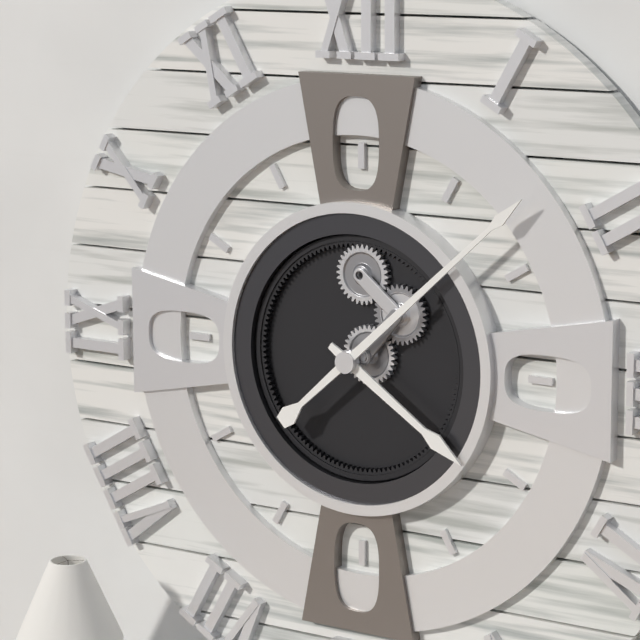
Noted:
4:08
